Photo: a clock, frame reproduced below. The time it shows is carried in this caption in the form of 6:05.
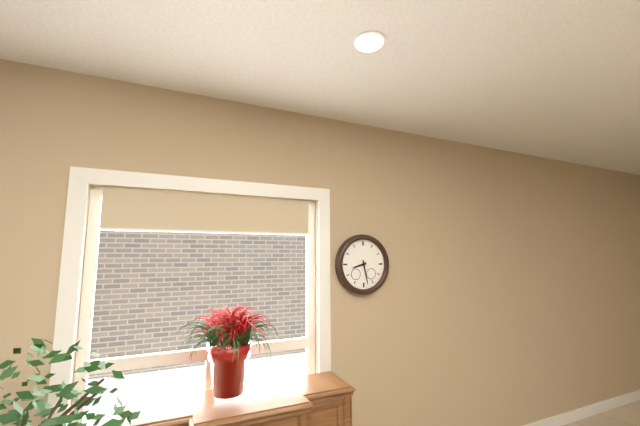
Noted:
8:28
